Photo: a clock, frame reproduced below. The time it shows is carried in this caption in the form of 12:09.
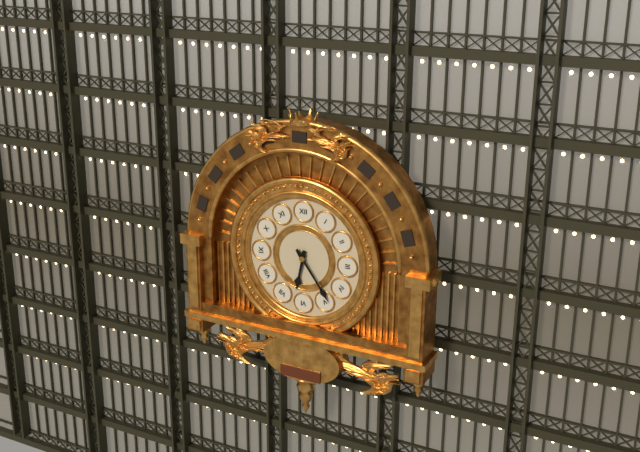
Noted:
6:24
